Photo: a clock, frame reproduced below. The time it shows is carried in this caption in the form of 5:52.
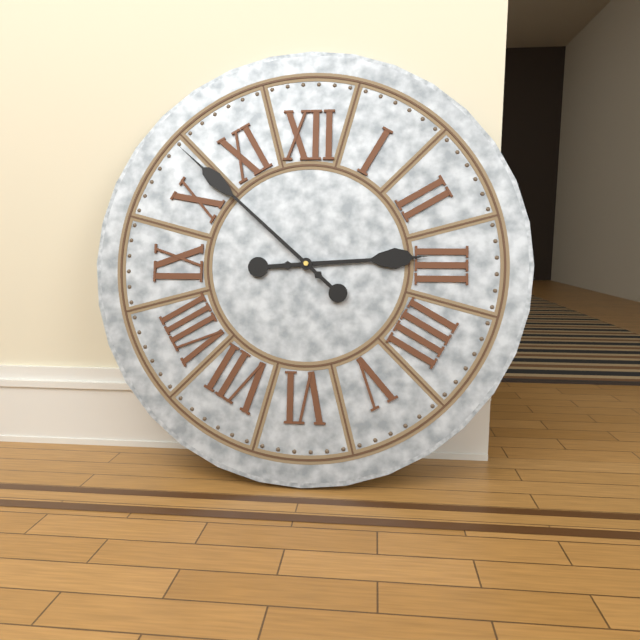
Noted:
2:52
